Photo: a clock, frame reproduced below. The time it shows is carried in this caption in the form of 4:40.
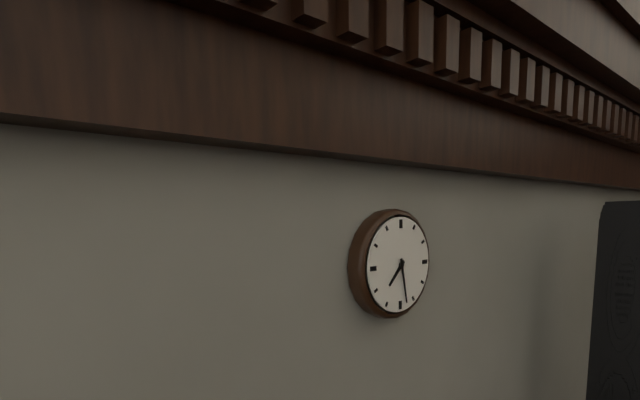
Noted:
7:28
